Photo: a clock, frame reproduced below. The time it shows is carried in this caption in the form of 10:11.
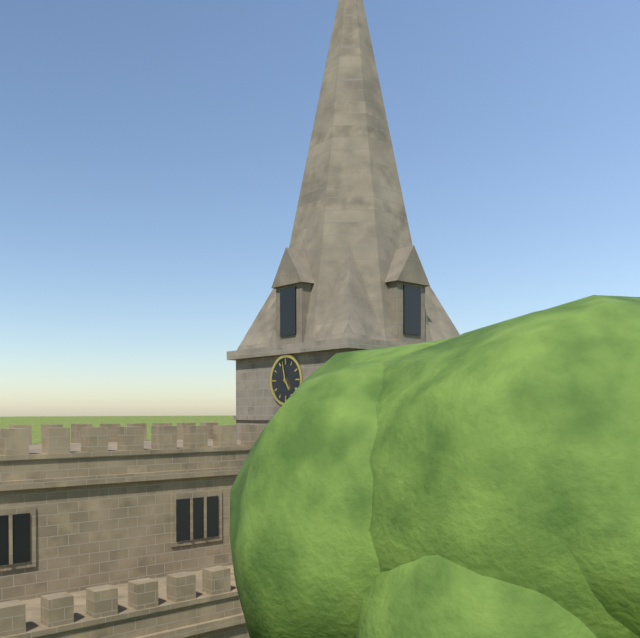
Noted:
4:58
